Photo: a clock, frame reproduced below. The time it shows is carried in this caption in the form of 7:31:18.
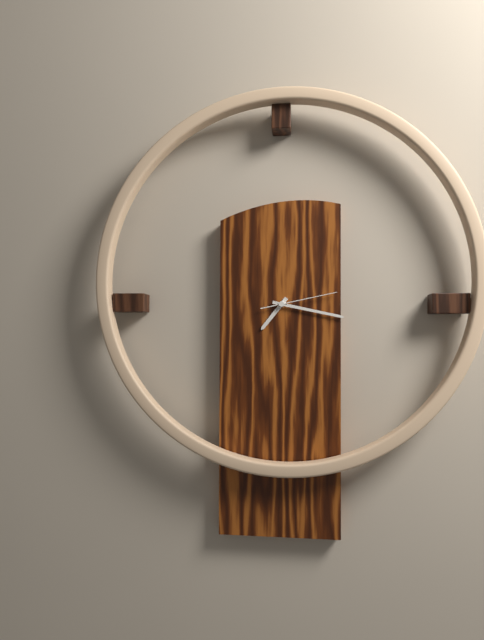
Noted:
7:17:13
